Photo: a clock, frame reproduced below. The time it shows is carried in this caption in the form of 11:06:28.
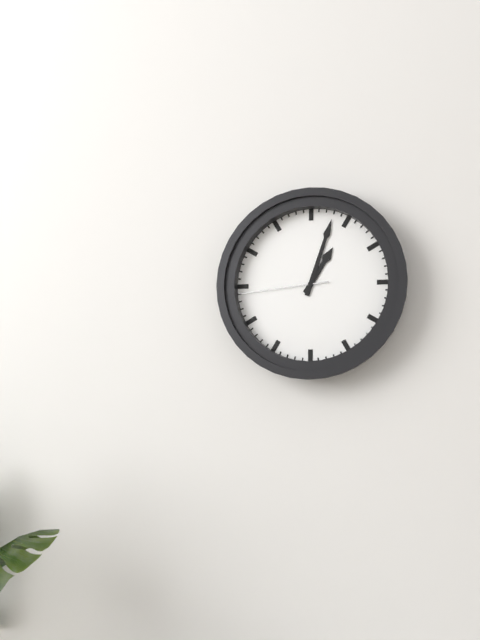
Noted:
1:03:44
